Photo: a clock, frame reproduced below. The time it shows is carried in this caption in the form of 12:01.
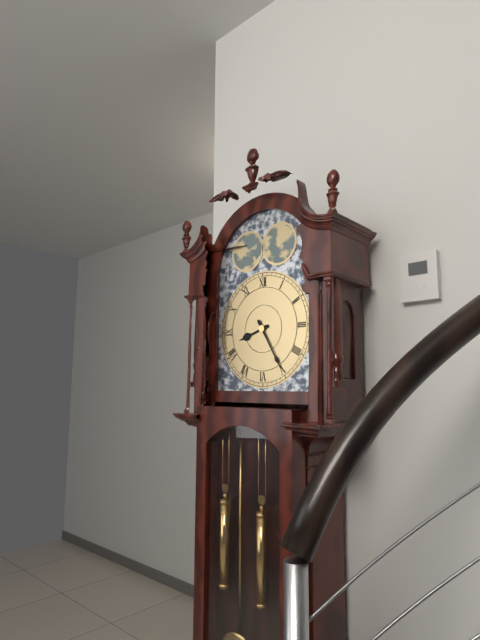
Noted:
8:25
